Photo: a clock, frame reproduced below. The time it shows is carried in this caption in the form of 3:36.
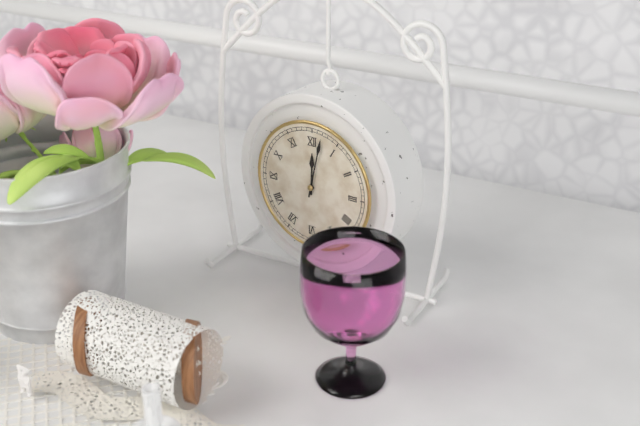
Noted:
12:02
